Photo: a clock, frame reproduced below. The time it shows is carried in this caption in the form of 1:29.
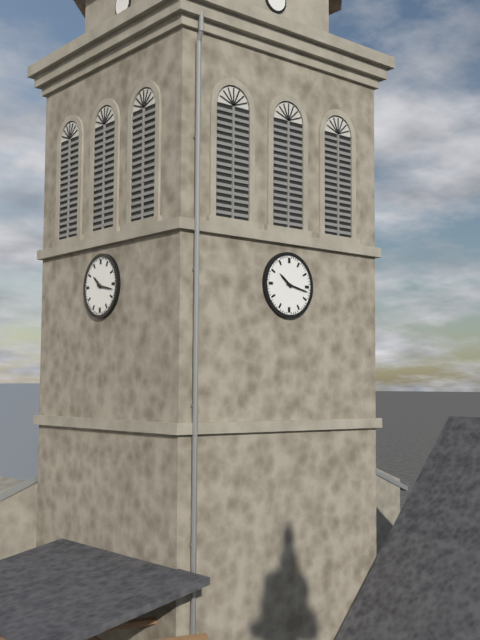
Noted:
10:17
